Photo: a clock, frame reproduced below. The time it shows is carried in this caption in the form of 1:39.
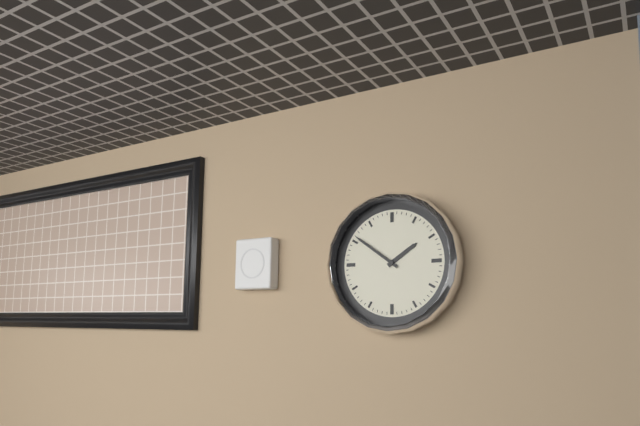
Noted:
1:51
